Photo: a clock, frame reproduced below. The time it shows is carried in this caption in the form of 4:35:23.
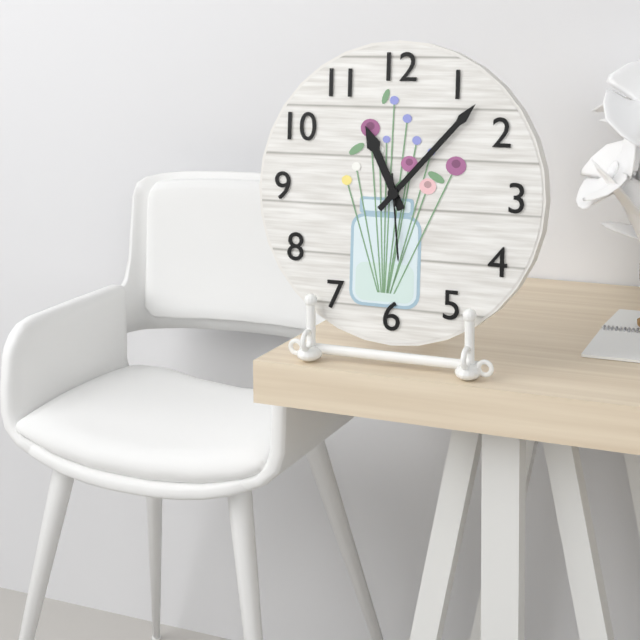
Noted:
11:07:29
